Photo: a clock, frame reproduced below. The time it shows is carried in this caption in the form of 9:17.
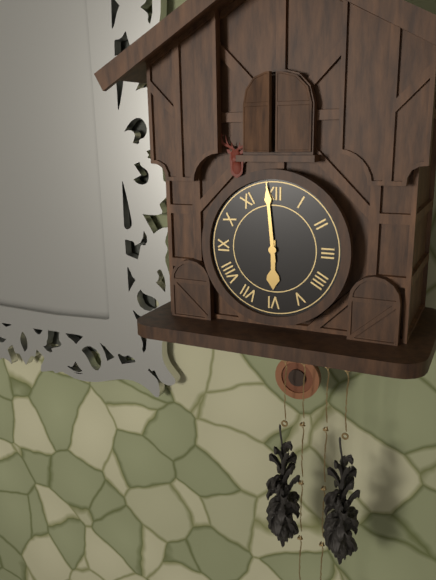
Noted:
5:59
